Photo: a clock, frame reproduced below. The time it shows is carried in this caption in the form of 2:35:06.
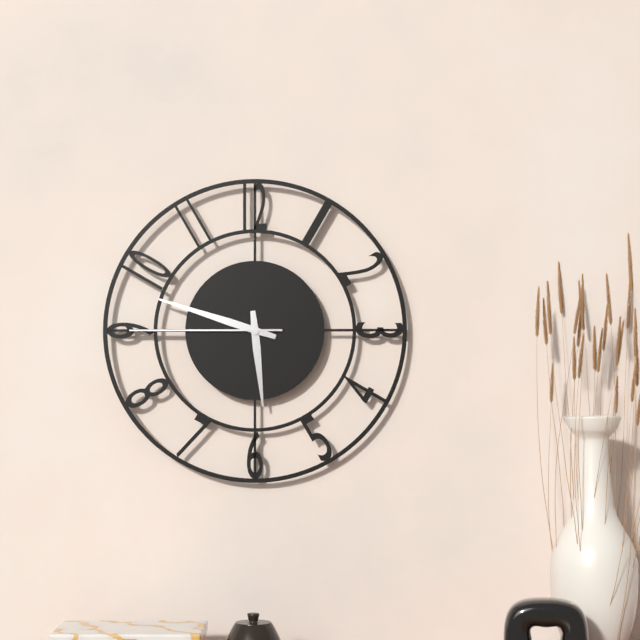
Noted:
5:48:45
